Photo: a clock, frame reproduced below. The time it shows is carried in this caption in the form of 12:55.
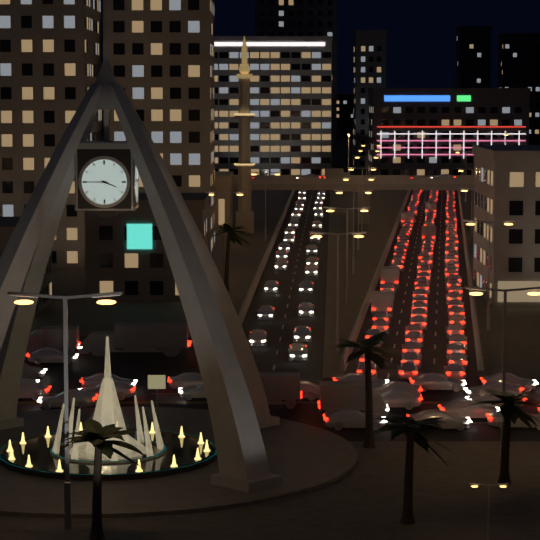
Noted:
3:45
